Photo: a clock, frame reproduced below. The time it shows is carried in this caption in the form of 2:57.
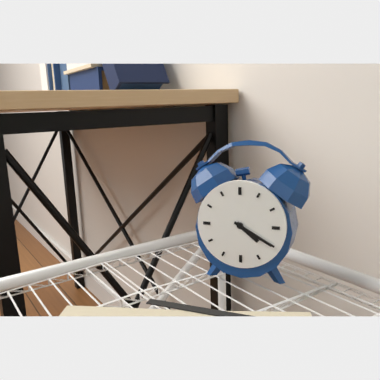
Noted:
4:20
